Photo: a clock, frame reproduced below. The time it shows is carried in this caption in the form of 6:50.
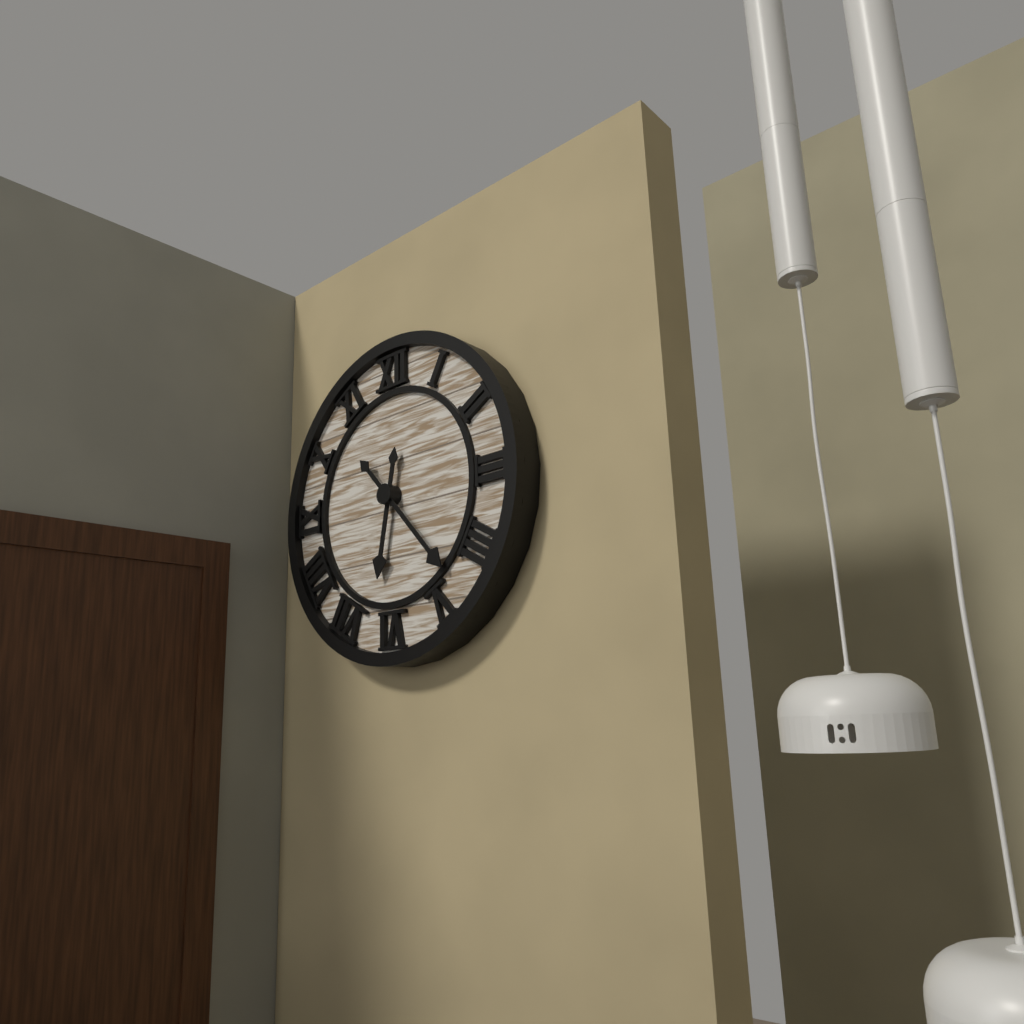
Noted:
6:23
